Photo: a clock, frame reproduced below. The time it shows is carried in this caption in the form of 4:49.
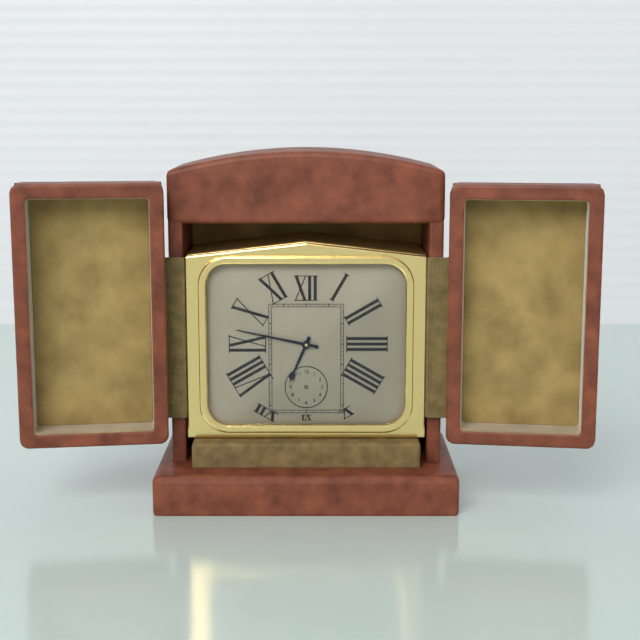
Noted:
6:47
